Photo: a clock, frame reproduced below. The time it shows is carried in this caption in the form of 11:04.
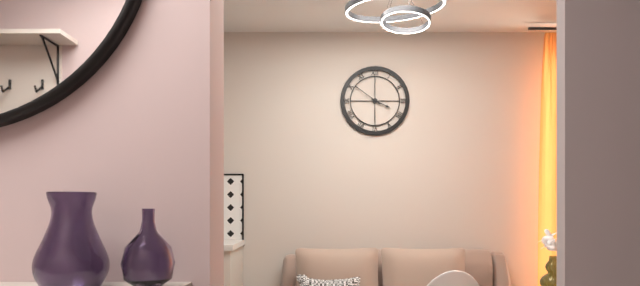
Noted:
3:51
